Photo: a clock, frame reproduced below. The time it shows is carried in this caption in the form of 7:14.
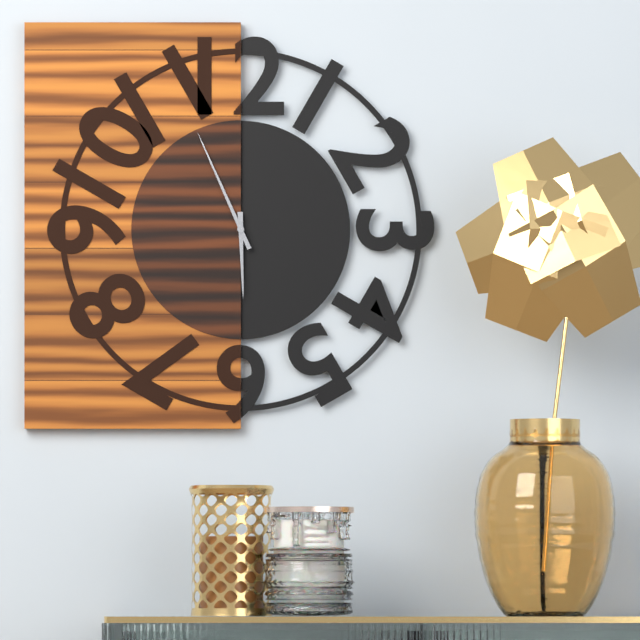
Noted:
5:56
